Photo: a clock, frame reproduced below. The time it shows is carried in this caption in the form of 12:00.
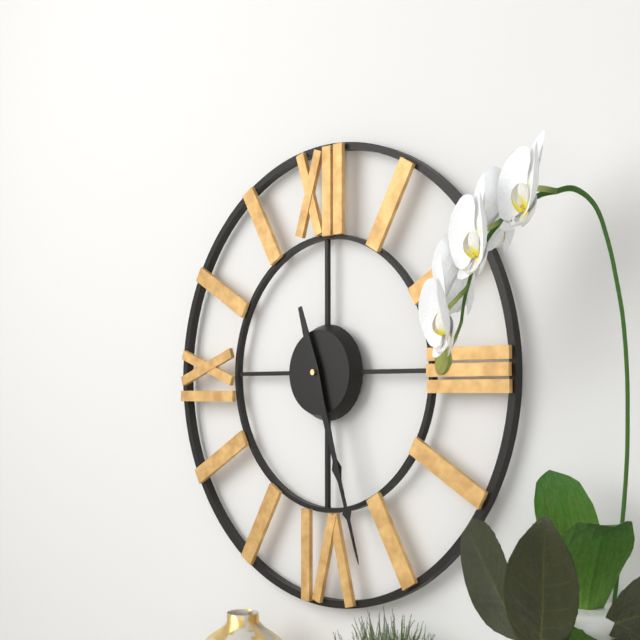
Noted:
5:27
